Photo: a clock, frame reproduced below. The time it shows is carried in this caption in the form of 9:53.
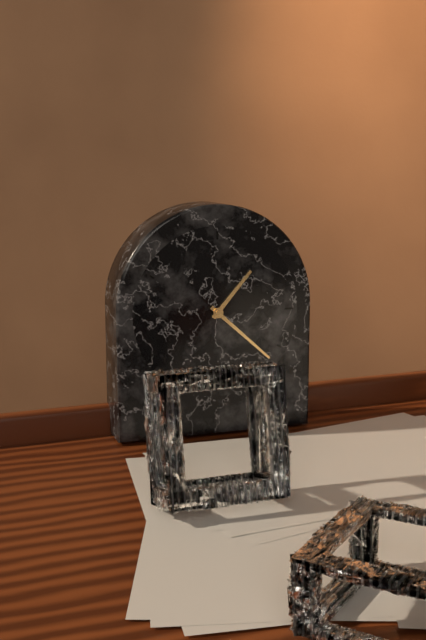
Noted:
1:22
